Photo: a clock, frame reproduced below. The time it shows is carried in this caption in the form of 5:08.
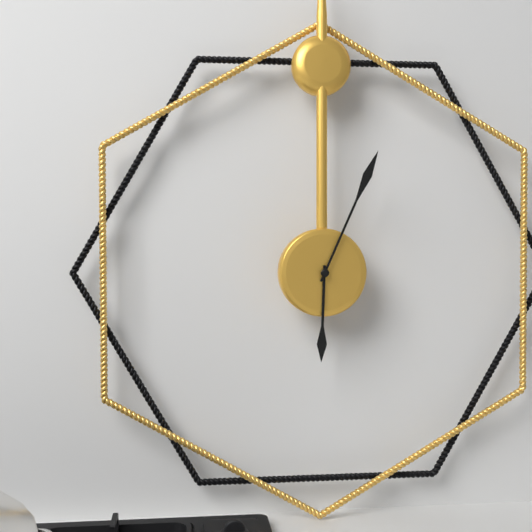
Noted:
6:04
